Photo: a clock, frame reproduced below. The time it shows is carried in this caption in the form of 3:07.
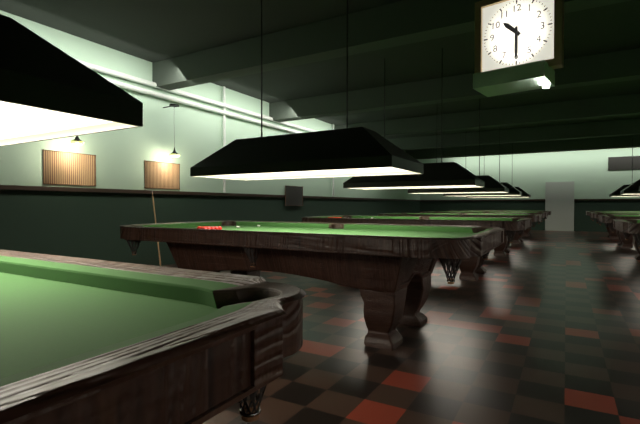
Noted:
10:30
